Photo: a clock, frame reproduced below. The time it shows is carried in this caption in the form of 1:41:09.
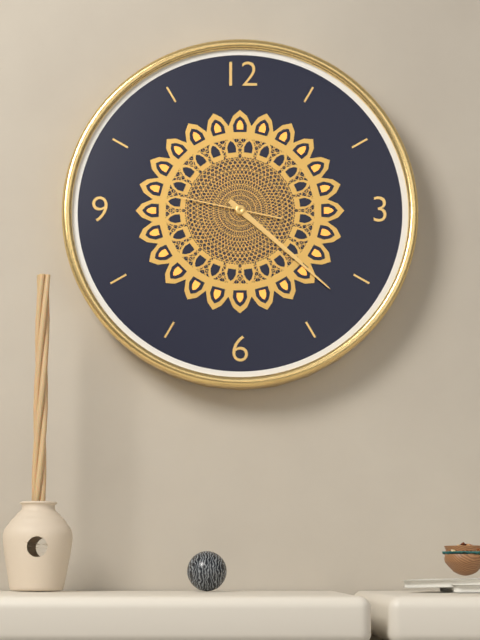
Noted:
4:22:47
